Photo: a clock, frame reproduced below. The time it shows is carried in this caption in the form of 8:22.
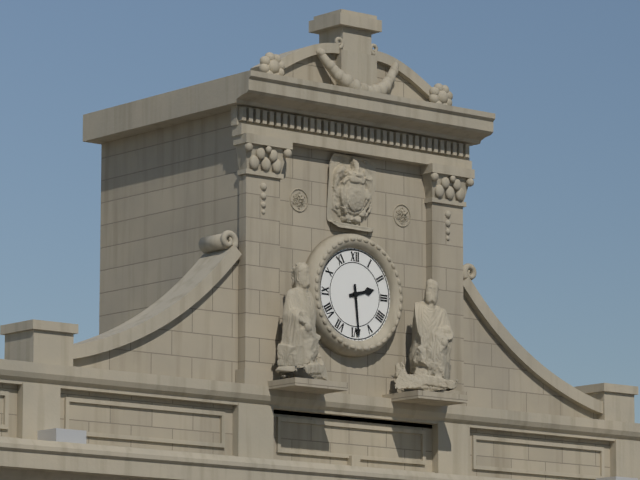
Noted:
2:29
